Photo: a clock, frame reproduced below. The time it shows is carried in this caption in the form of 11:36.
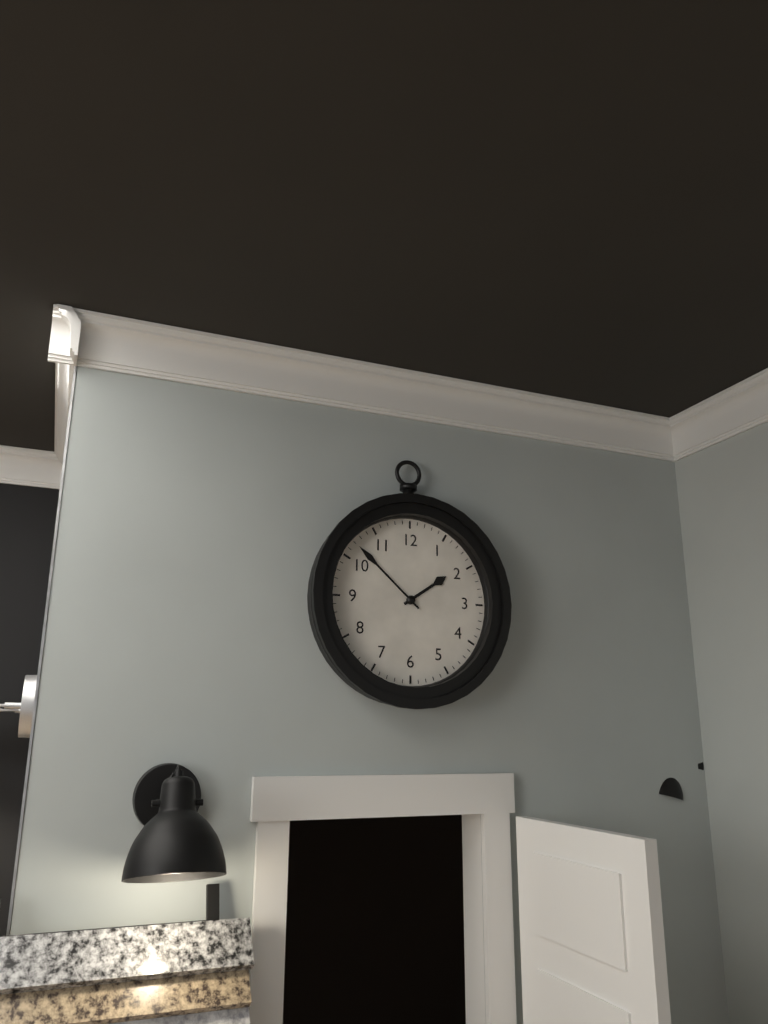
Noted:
1:52
